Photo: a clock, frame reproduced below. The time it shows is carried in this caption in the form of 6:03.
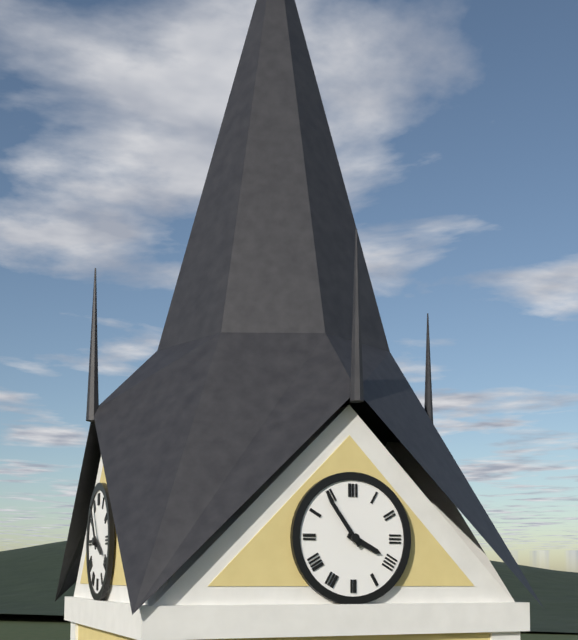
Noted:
3:54
